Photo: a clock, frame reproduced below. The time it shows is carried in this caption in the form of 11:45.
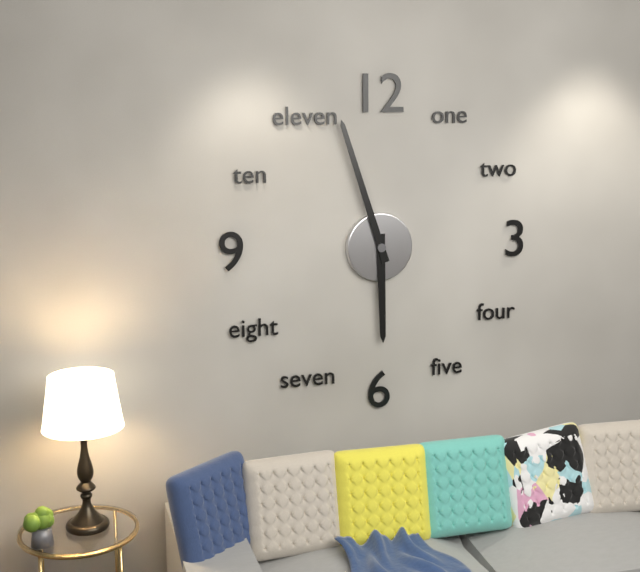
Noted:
5:57
